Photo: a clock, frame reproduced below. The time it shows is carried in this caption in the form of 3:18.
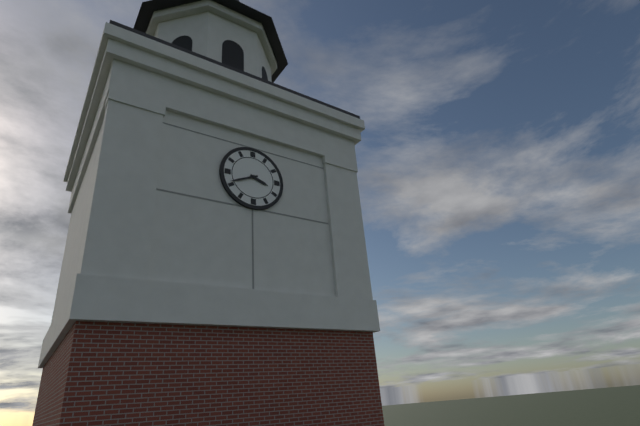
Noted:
3:41
